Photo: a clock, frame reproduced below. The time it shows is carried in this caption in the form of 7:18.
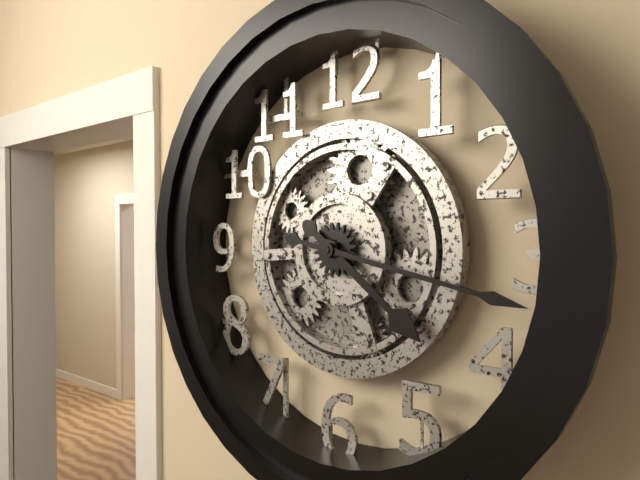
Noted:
4:17
